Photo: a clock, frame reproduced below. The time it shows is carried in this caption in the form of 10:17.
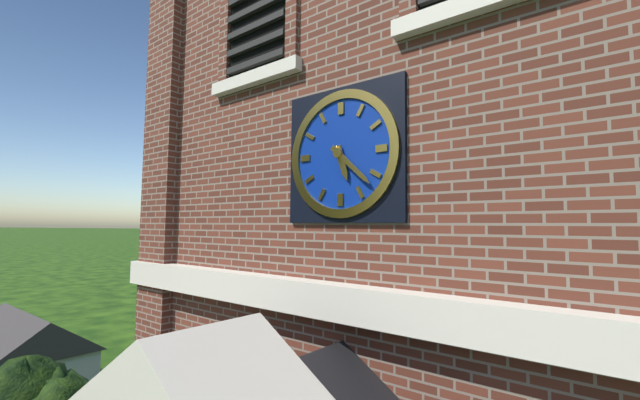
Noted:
5:22
